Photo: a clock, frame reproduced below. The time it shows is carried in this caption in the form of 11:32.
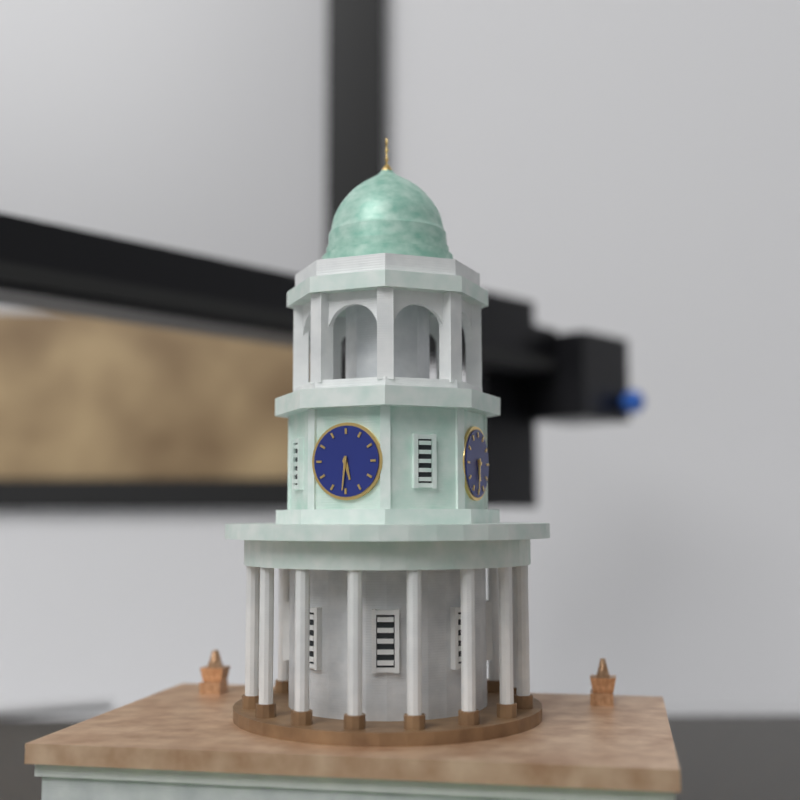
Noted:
5:31
